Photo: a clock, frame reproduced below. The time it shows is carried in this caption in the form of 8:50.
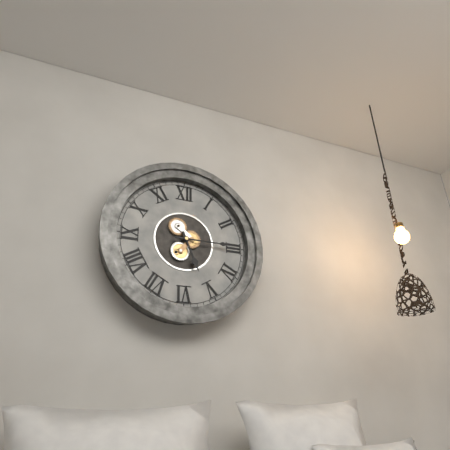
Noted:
5:15
